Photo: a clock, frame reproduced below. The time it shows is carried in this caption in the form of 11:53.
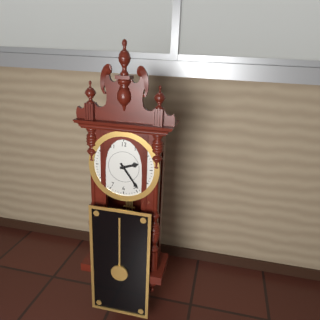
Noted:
2:24
